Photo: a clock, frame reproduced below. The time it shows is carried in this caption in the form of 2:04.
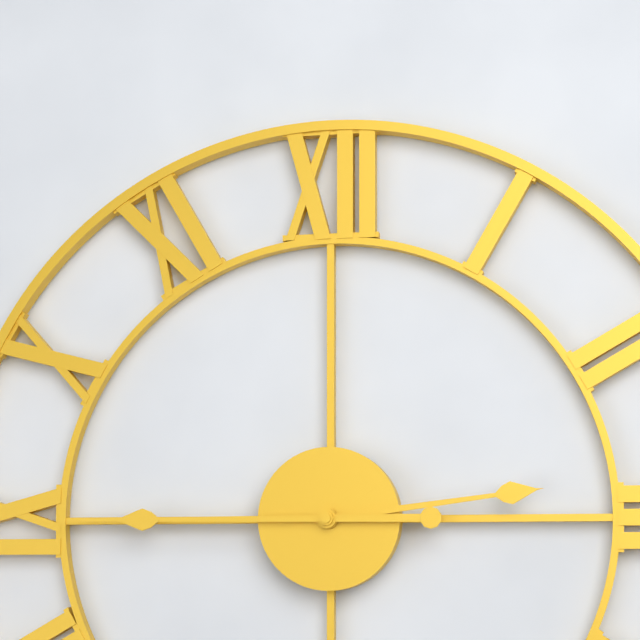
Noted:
2:45
